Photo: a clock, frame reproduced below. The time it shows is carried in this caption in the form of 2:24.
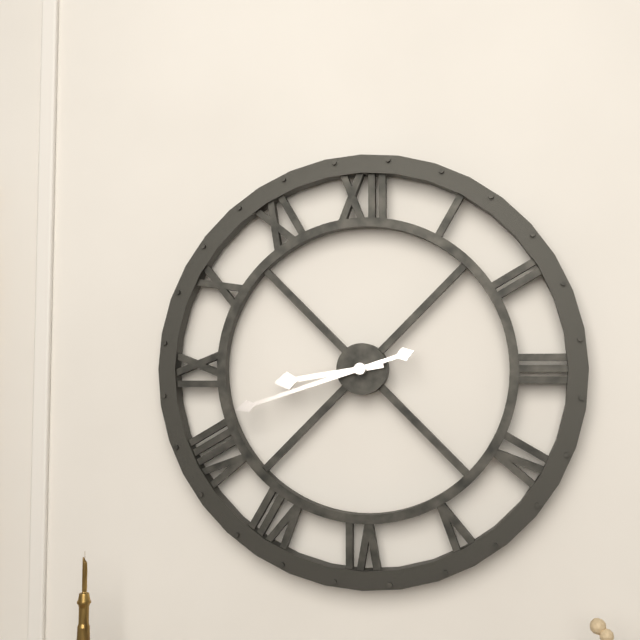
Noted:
8:42
